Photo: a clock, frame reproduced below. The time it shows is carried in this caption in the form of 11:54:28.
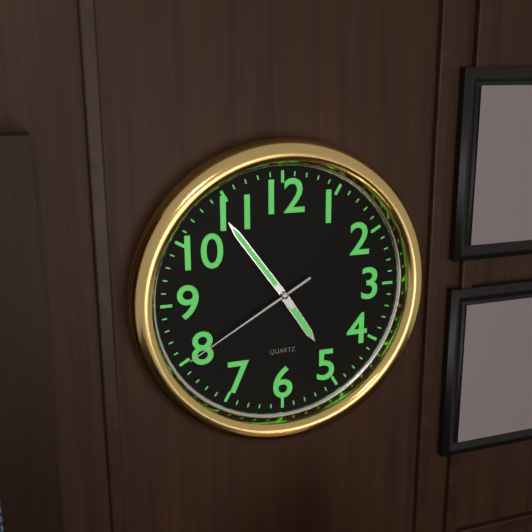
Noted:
4:54:40
